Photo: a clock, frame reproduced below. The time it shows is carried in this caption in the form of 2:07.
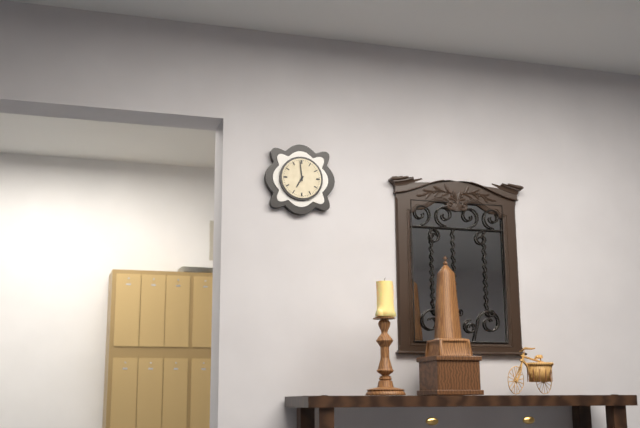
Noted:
6:59
